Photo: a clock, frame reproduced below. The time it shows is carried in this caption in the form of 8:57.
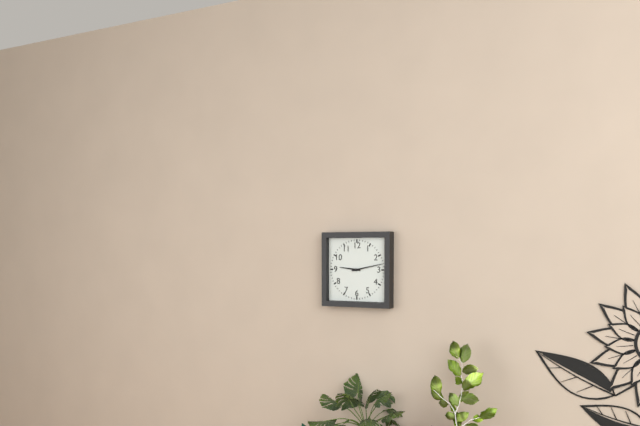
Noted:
9:13
